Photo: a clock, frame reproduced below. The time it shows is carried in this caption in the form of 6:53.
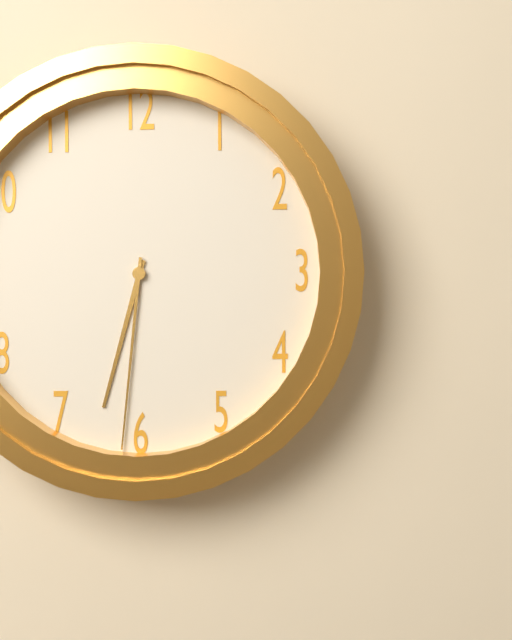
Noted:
6:31
